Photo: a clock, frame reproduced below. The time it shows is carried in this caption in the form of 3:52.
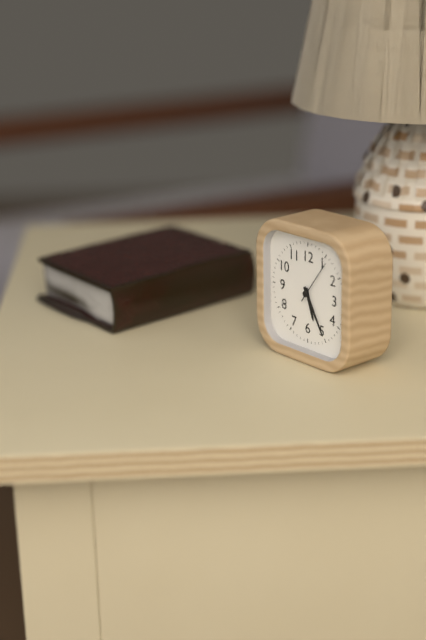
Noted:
5:25
